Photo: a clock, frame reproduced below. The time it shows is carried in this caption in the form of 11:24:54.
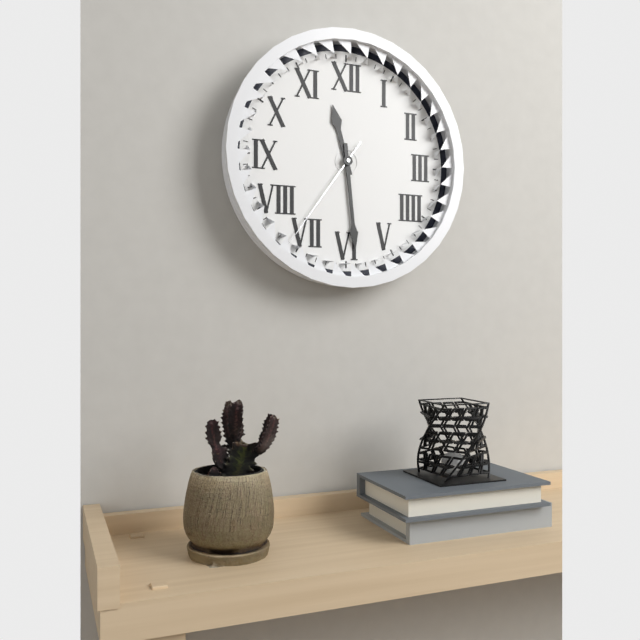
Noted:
11:29:36
